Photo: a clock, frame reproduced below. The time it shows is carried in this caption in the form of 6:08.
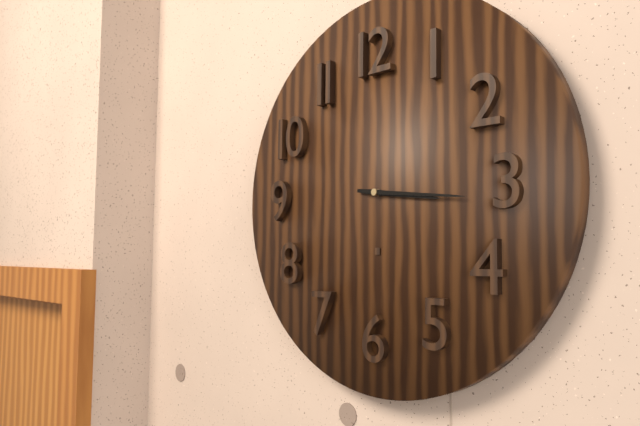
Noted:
3:16
